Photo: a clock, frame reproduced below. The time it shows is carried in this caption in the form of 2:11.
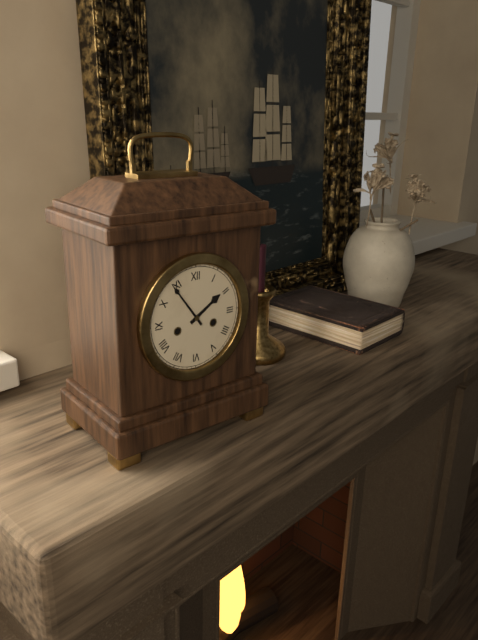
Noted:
1:54
